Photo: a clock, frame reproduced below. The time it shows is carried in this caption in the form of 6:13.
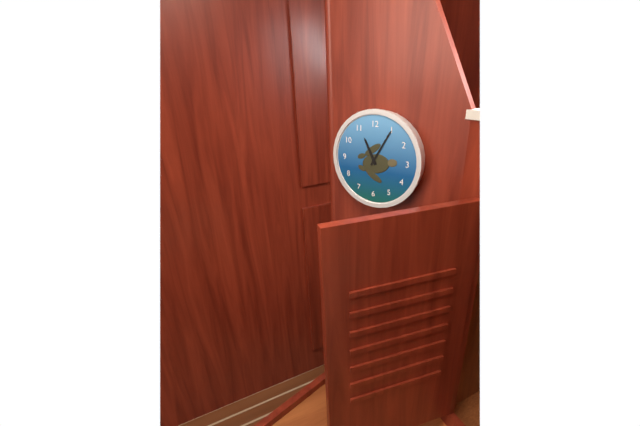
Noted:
11:05
